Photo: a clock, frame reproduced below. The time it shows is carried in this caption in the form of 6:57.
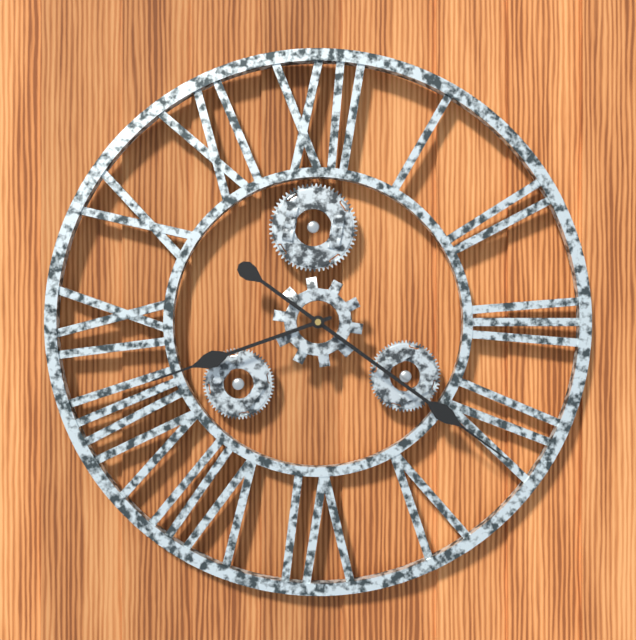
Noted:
8:21
